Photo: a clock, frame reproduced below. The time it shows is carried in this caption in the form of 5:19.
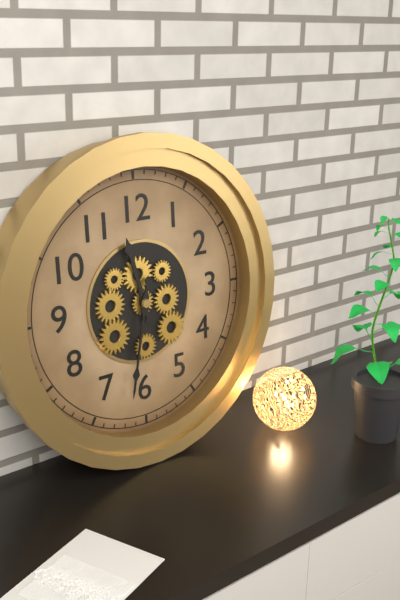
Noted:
11:32
